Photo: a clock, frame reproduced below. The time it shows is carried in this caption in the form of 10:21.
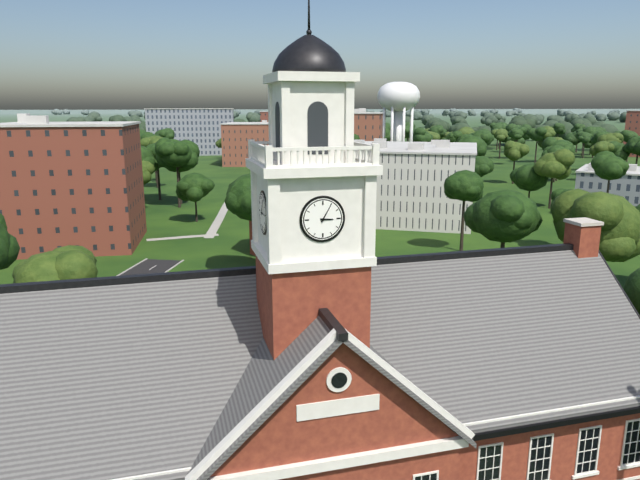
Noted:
3:05
